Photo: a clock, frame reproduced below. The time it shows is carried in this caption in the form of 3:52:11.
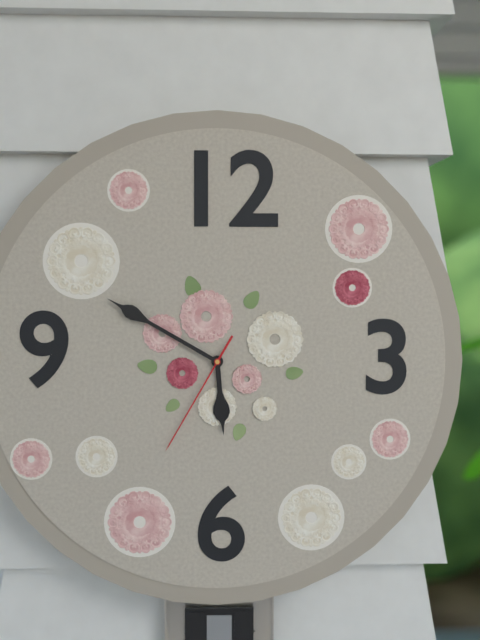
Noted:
5:50:35
